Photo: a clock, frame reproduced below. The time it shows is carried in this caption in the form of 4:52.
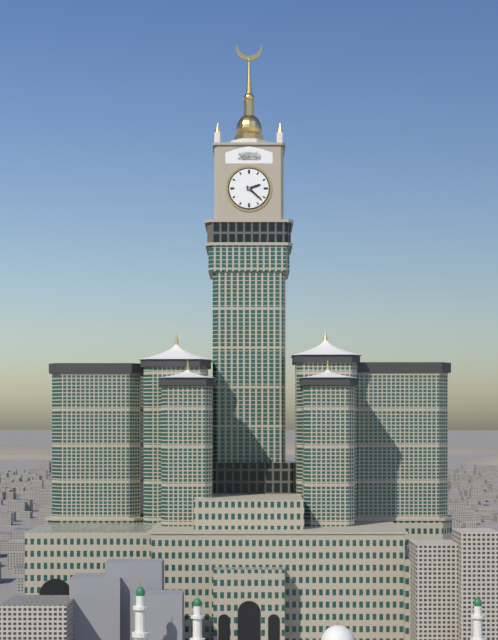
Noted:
2:22
